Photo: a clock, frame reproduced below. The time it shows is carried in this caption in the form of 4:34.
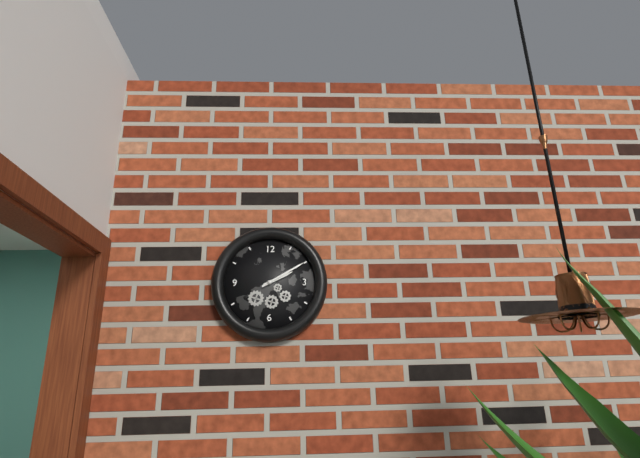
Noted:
2:10
